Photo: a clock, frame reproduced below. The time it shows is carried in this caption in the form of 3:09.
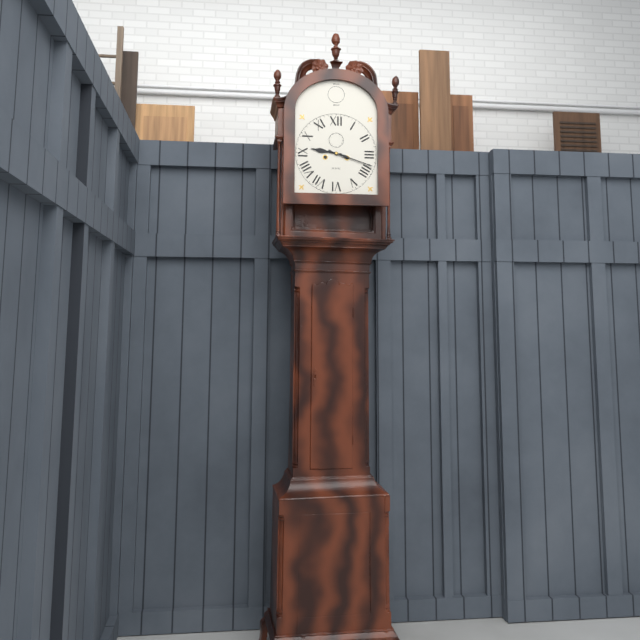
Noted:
9:18
